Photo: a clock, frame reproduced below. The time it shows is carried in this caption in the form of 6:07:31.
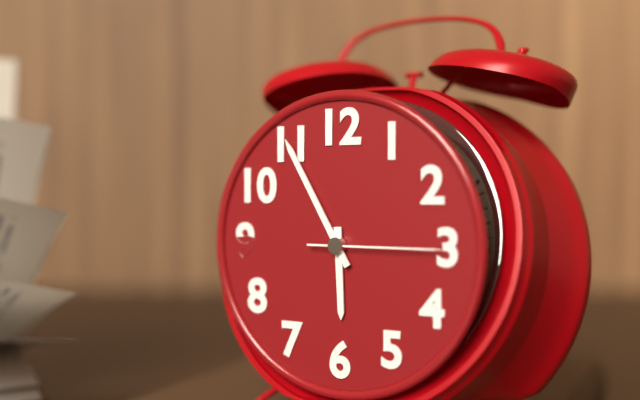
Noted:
5:55:15
